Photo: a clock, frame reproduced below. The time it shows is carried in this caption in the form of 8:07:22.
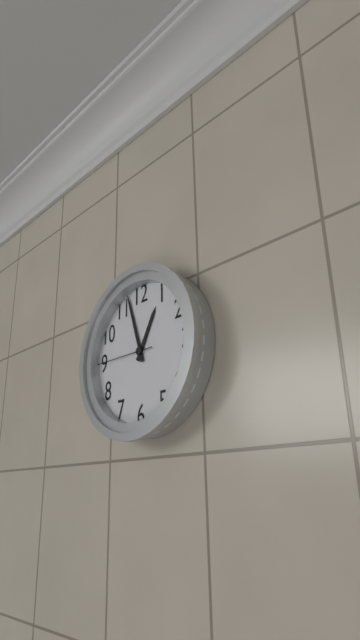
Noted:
12:57:45
